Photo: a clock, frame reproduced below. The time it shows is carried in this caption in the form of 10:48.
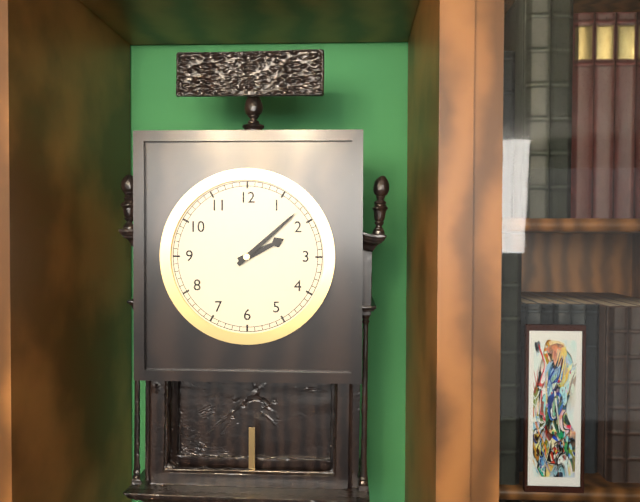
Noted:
2:08
